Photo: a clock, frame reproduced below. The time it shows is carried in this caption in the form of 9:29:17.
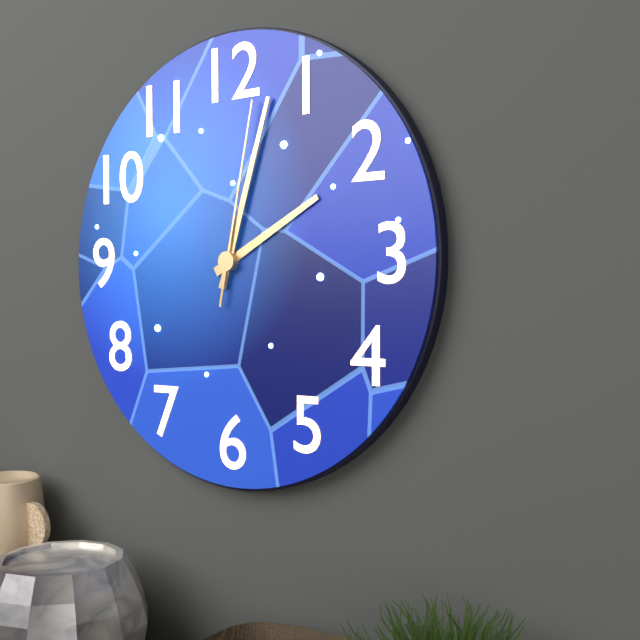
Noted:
2:03:02
